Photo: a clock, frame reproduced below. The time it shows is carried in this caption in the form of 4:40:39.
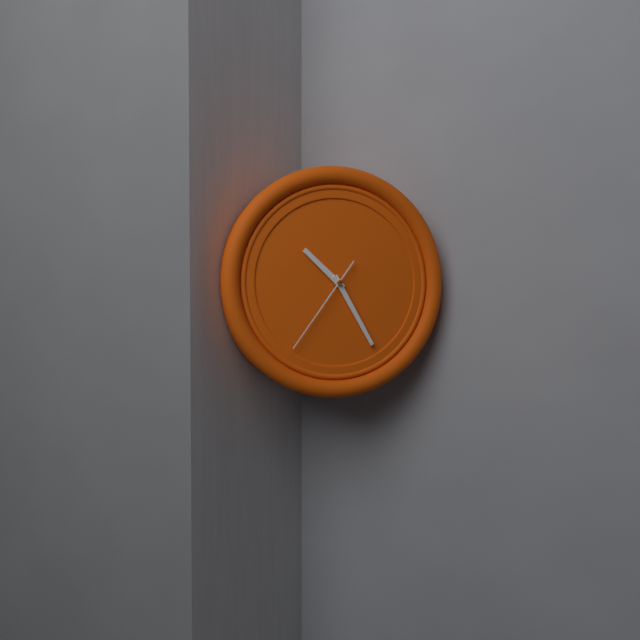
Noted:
10:25:36
